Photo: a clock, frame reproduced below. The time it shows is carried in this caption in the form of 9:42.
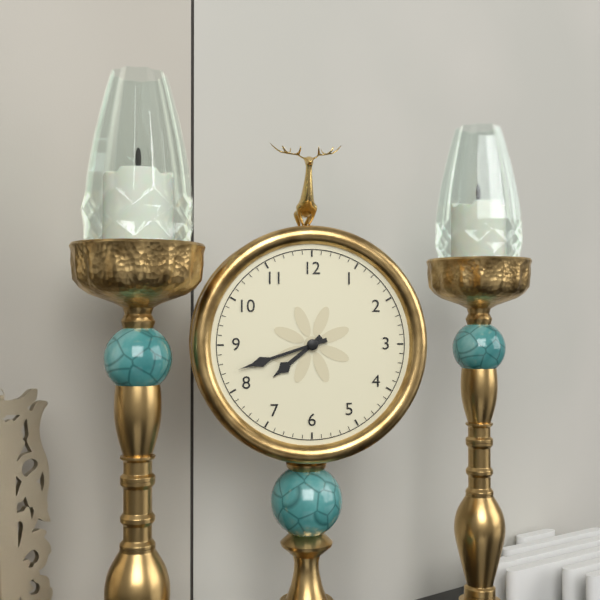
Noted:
7:42
